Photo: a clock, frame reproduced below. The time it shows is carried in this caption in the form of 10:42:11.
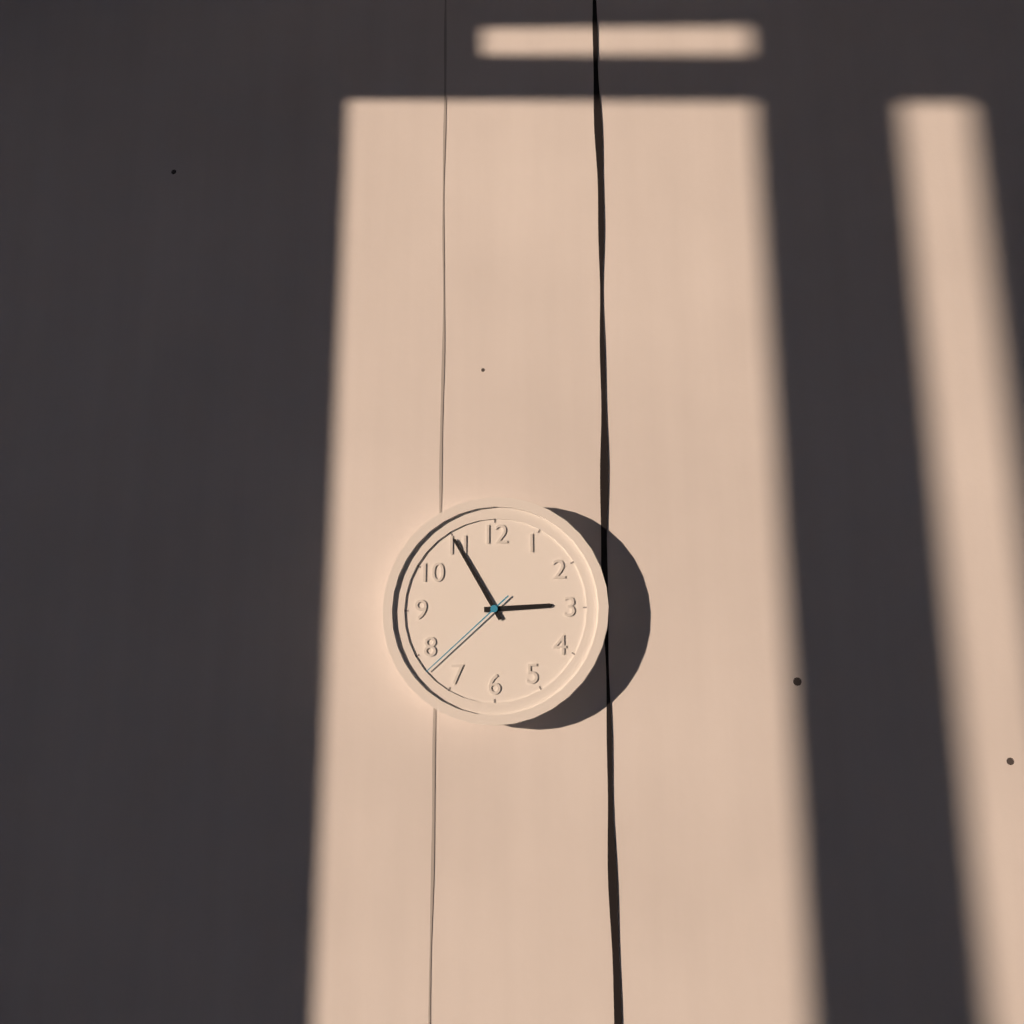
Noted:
2:55:38
